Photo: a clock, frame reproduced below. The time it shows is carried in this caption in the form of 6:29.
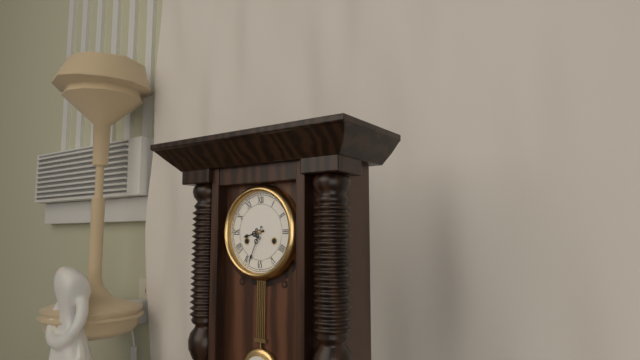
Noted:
8:34
